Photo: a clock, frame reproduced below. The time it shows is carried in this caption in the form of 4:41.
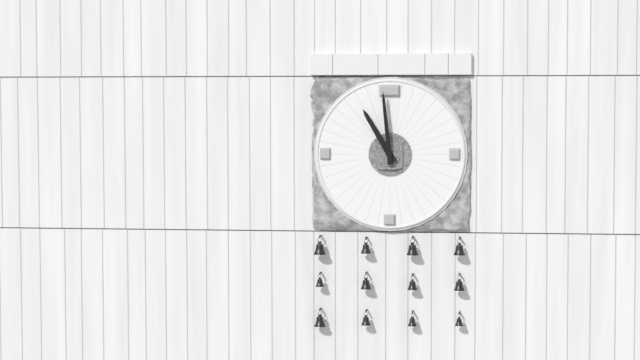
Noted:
10:59
